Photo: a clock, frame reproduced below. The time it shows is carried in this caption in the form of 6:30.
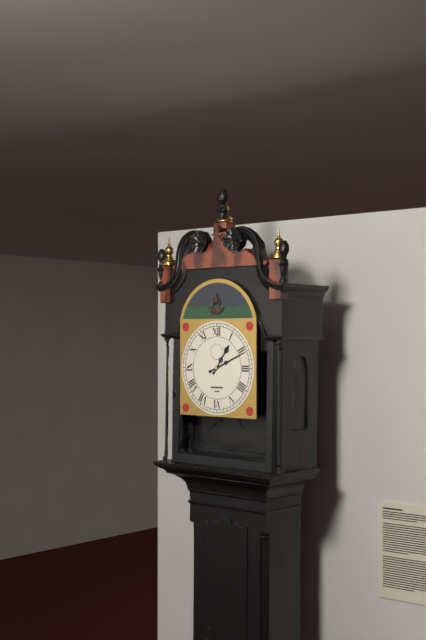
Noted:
1:11
